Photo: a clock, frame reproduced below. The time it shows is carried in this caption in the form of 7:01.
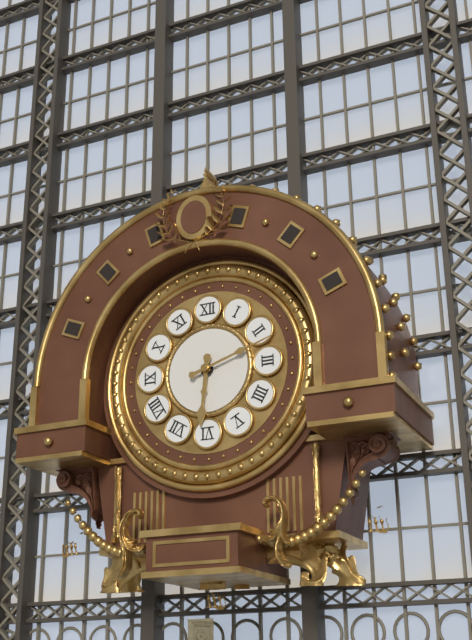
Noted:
6:12
